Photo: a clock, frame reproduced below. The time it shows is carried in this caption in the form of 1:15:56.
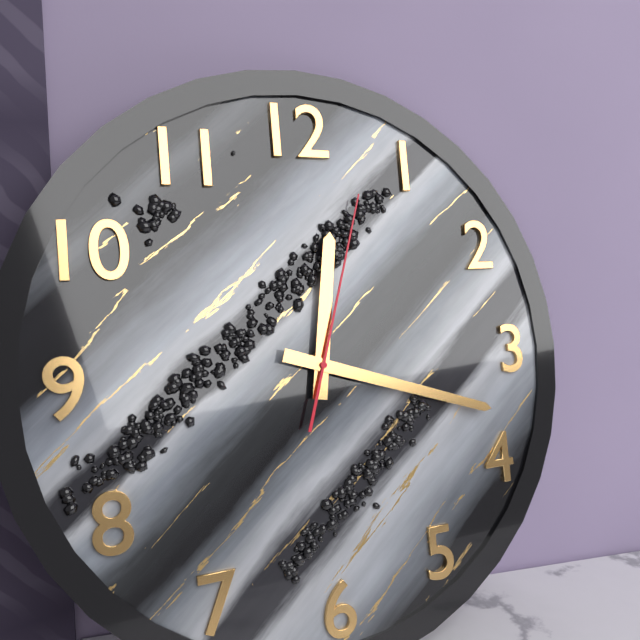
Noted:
12:18:03
